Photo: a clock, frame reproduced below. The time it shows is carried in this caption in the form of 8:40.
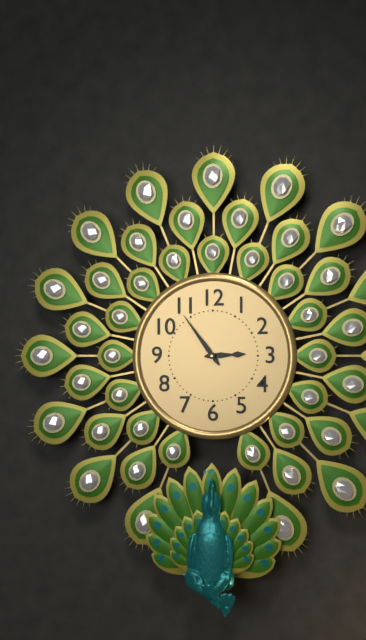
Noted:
2:54
